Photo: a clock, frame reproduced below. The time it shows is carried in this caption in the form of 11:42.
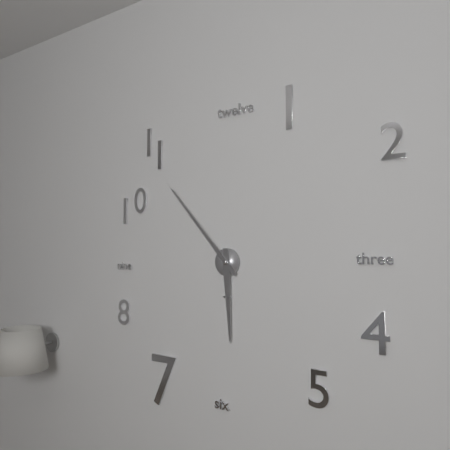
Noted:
5:53
